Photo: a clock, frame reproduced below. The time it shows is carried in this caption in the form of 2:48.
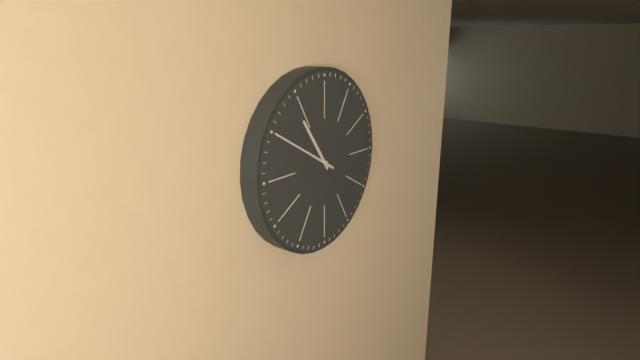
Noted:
10:50
